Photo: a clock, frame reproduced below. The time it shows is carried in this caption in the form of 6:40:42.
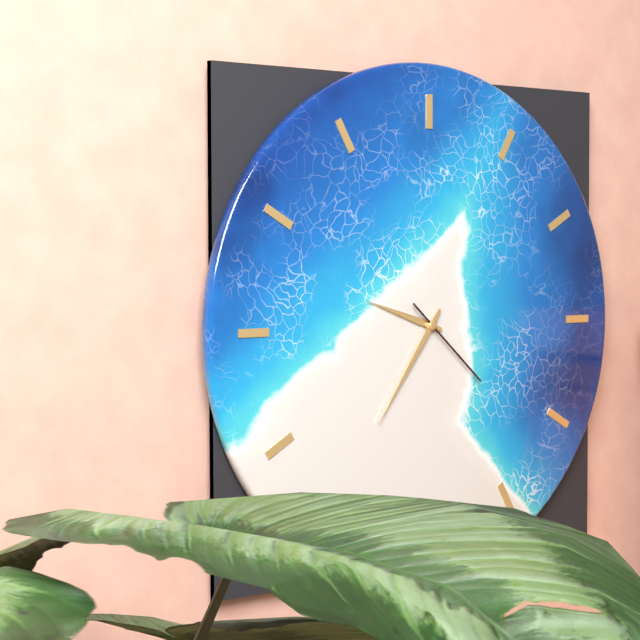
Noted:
9:36:22
